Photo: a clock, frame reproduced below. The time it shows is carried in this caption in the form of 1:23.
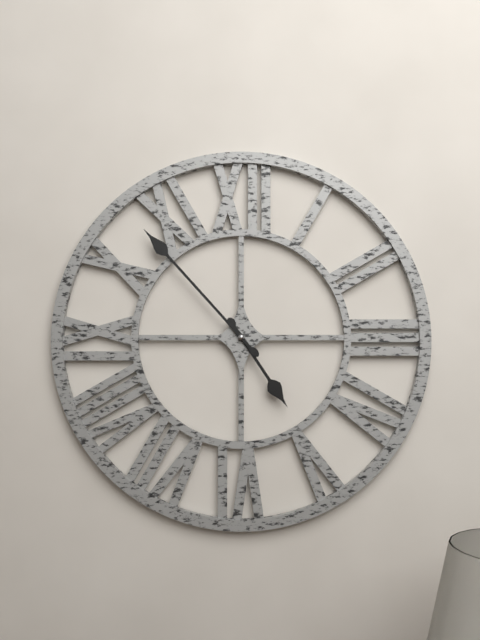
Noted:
4:53
